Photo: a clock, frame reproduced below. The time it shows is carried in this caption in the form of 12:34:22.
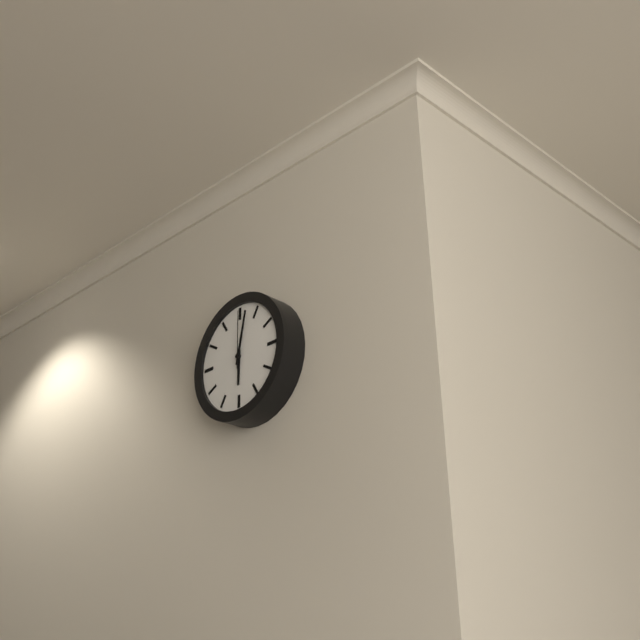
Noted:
6:02:00
